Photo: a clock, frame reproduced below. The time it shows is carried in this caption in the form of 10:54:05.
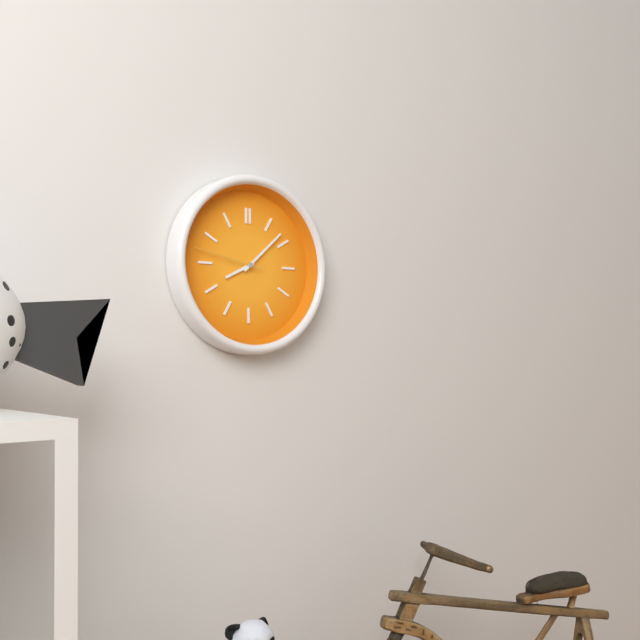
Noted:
8:08:47
